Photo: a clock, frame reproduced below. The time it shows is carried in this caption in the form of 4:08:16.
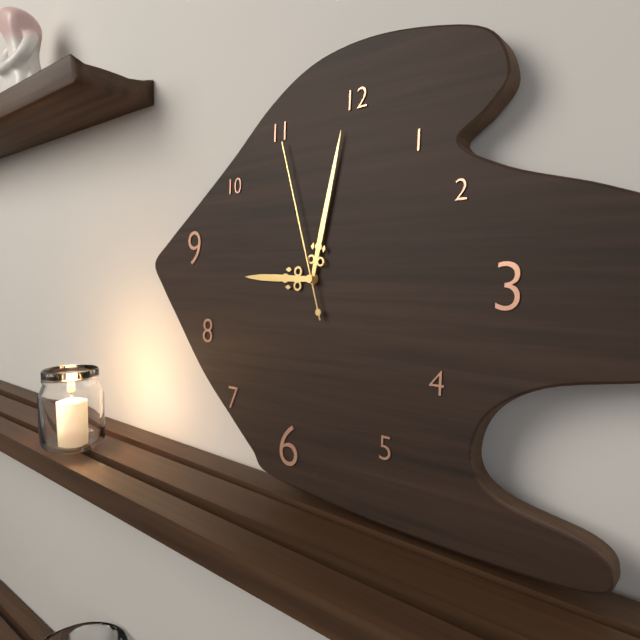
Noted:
9:02:57
